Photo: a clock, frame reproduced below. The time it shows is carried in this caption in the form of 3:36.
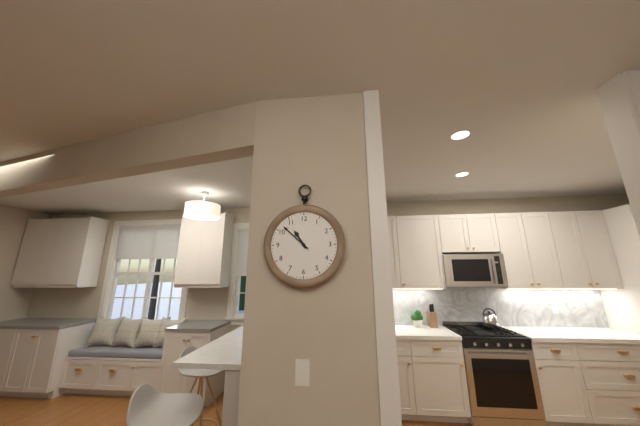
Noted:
10:52
